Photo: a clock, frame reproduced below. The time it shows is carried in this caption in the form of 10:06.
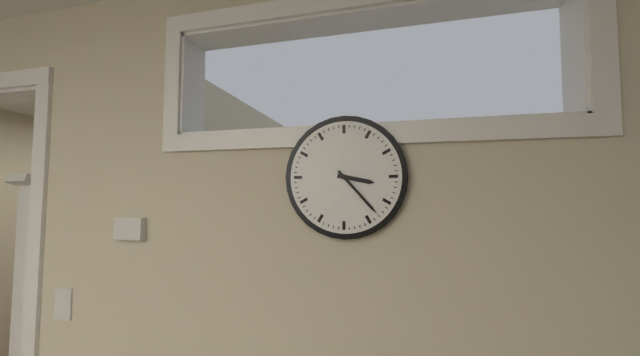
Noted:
3:23
